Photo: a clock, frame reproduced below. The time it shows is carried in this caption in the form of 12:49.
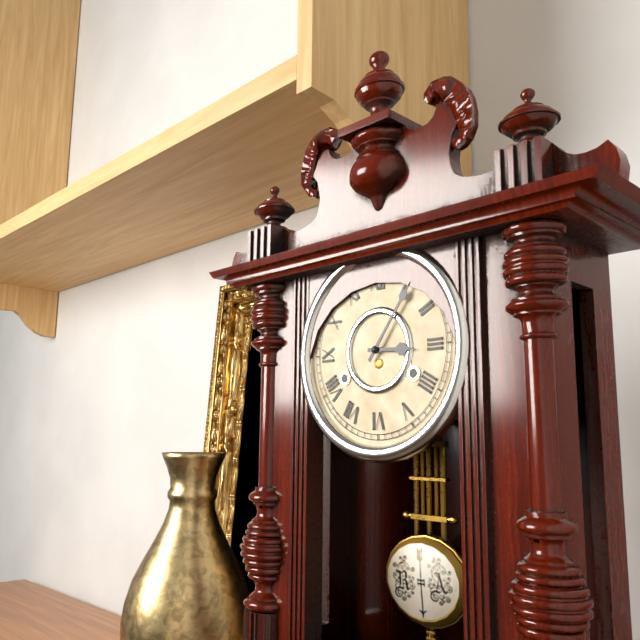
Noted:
3:06
